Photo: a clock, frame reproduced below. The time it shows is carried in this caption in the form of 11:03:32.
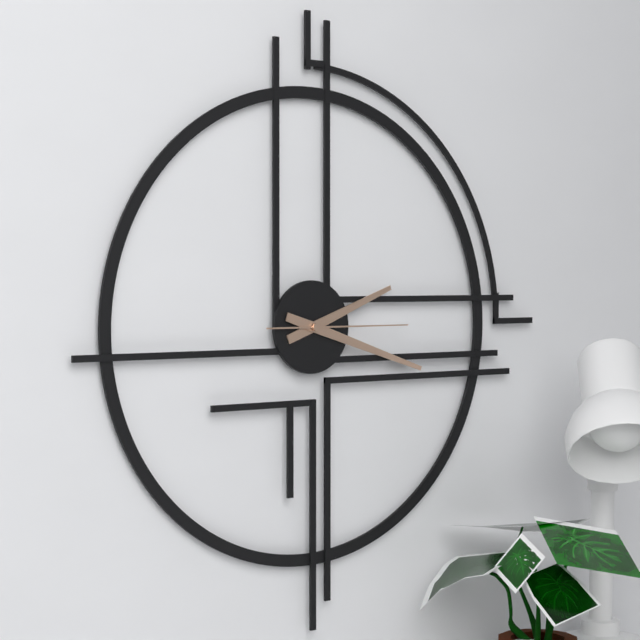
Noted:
2:18:15
